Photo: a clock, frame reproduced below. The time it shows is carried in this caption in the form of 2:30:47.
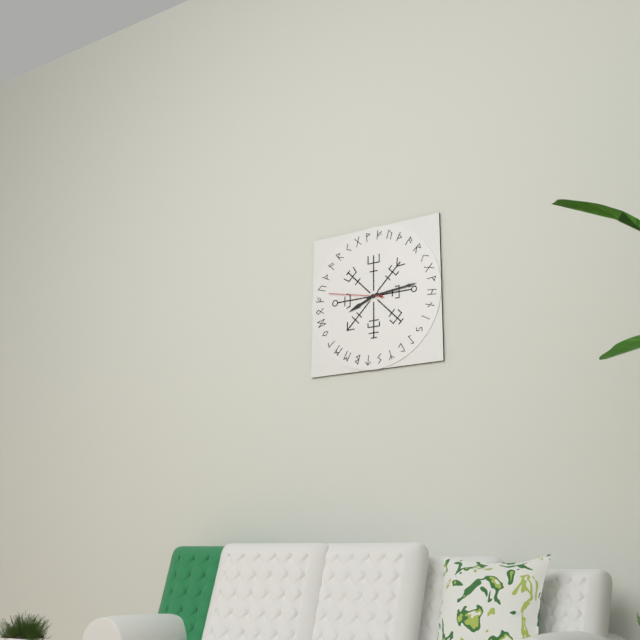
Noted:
8:14:47
